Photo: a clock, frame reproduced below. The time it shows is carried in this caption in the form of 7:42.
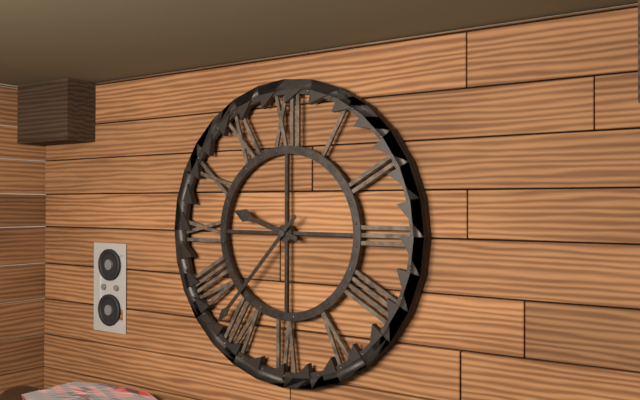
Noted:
9:37
